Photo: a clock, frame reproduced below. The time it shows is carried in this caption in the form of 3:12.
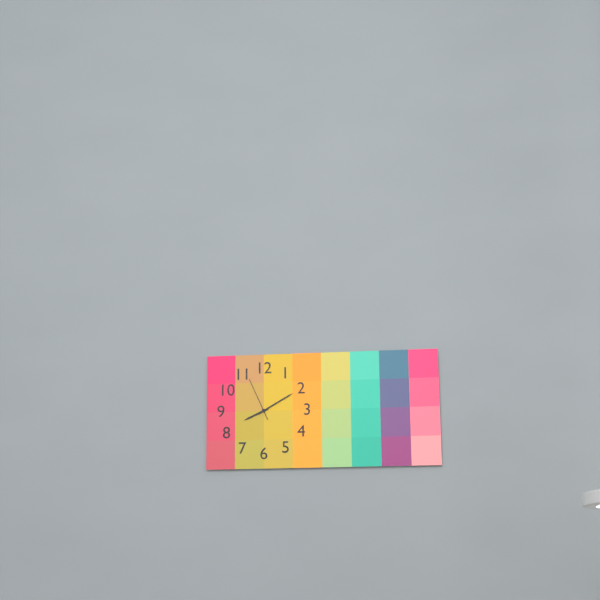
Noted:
8:10
